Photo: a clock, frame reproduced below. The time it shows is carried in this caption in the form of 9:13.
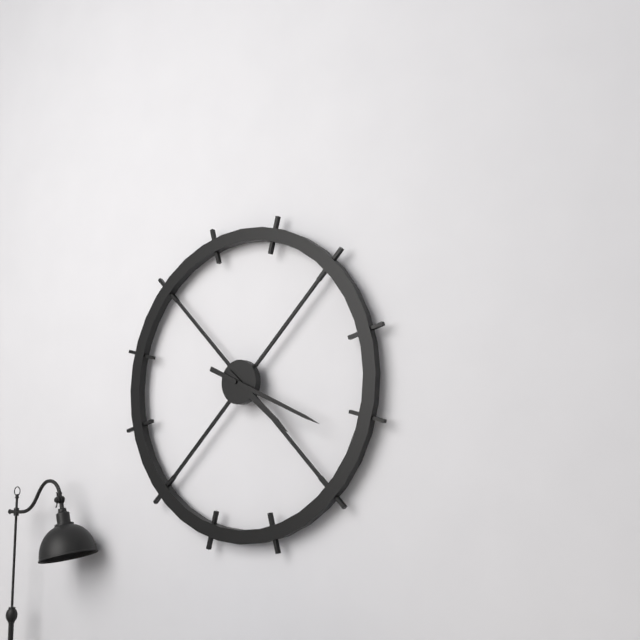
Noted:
4:19
